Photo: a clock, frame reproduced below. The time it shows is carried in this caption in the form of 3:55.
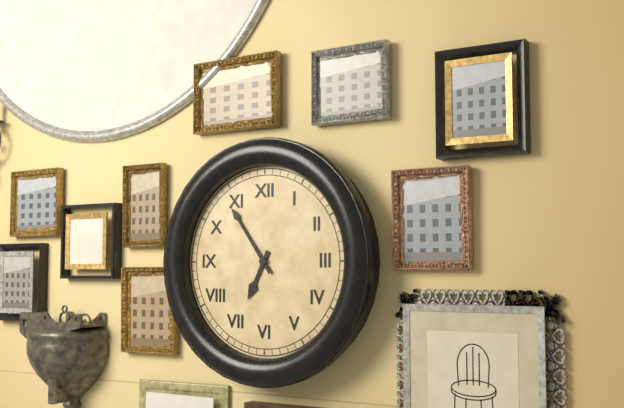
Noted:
6:54
